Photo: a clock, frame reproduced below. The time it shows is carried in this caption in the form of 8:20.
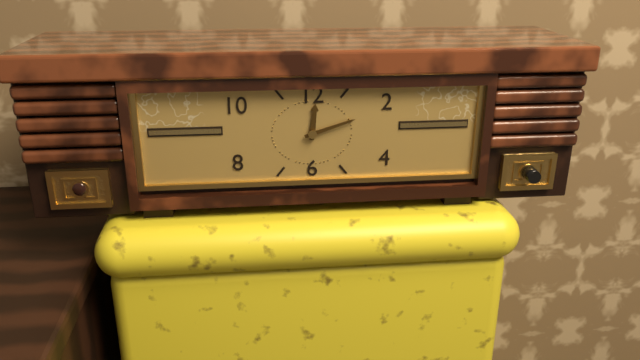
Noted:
12:12
